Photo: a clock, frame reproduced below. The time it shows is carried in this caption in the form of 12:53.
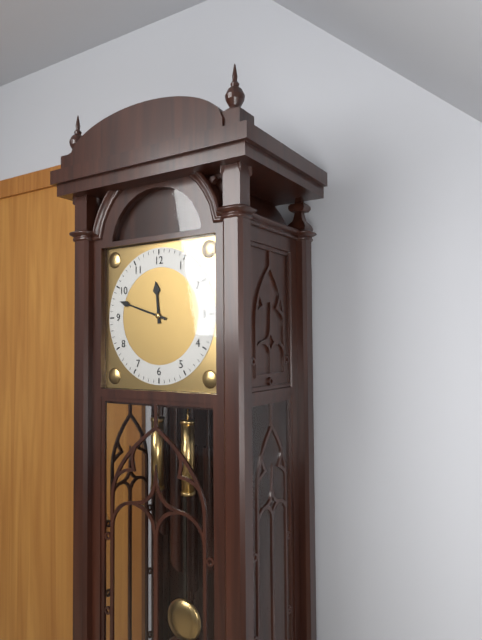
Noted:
11:48
